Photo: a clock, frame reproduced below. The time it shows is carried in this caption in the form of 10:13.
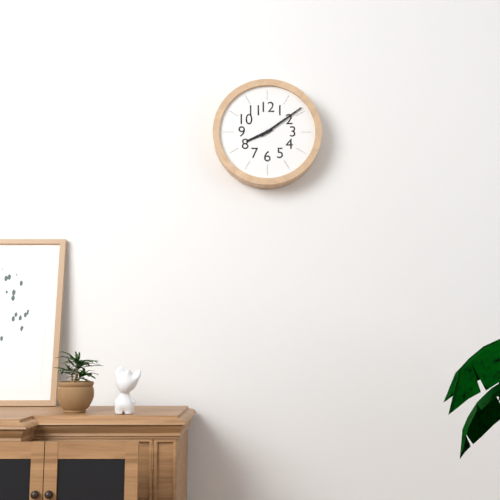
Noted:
8:09
